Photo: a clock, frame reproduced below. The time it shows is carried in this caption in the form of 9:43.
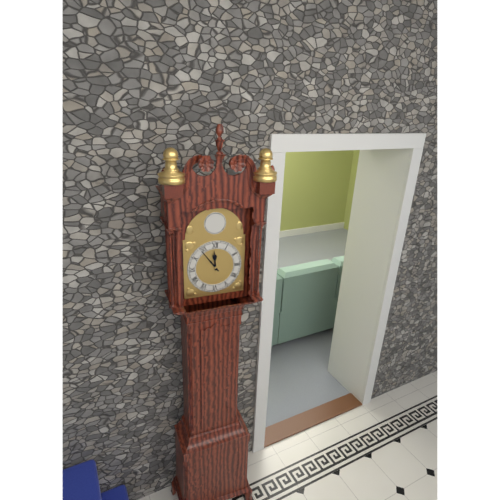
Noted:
11:54
